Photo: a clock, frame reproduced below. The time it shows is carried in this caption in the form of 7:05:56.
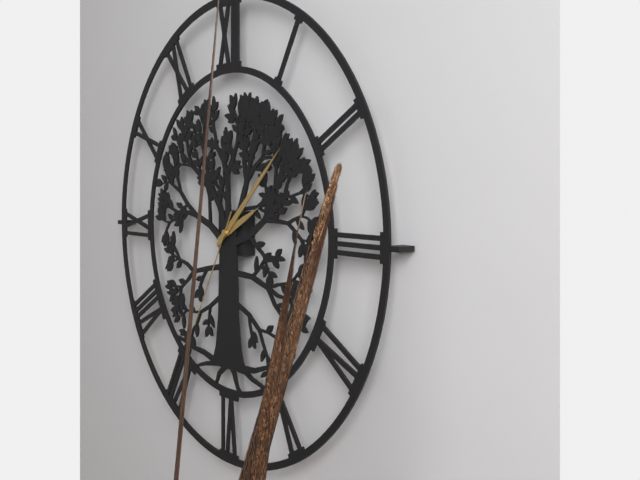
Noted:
2:08:35
